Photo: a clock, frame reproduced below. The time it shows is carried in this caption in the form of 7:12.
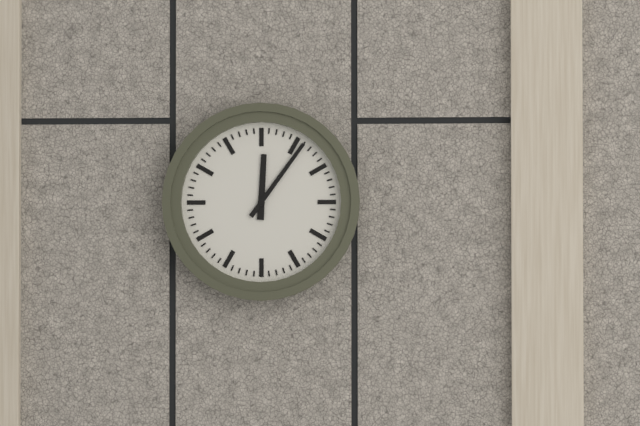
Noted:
12:06
